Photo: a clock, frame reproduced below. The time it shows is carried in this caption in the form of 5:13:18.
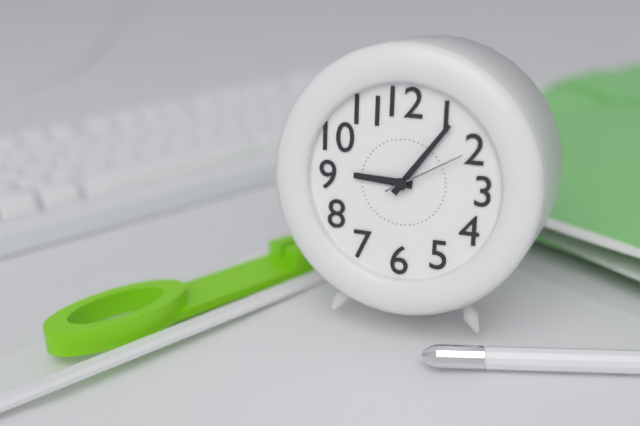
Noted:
9:06:10
